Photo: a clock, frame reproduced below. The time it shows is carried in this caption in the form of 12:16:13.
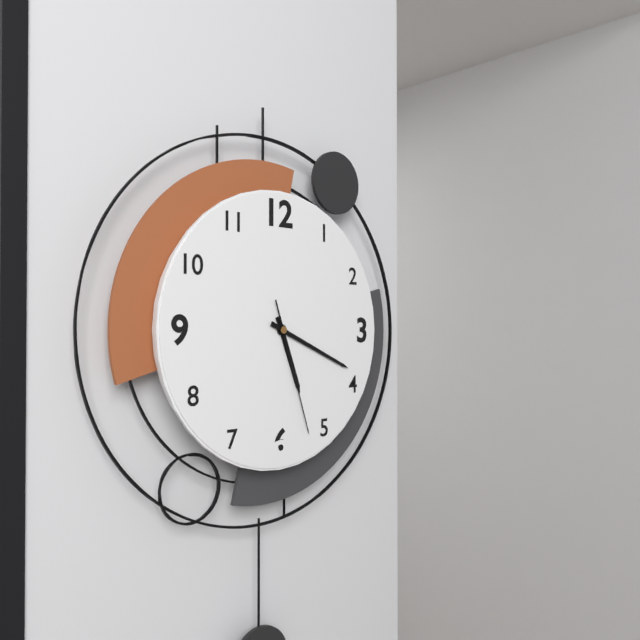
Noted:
5:19:27
